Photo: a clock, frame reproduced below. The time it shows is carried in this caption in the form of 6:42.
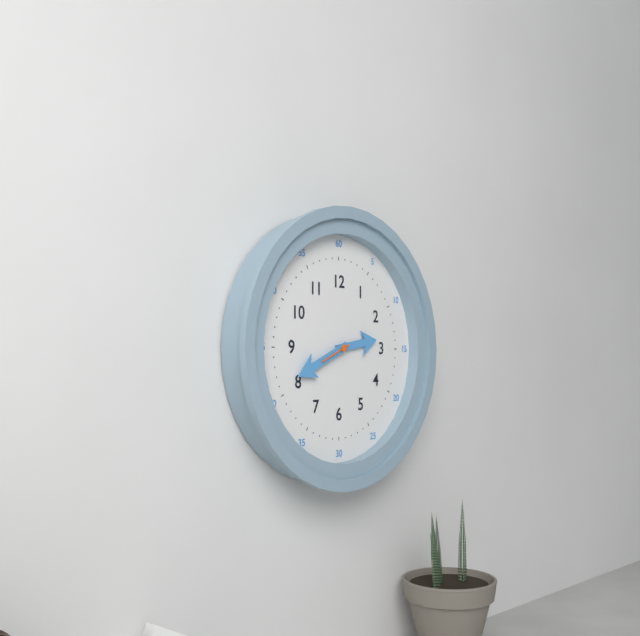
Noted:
2:41
